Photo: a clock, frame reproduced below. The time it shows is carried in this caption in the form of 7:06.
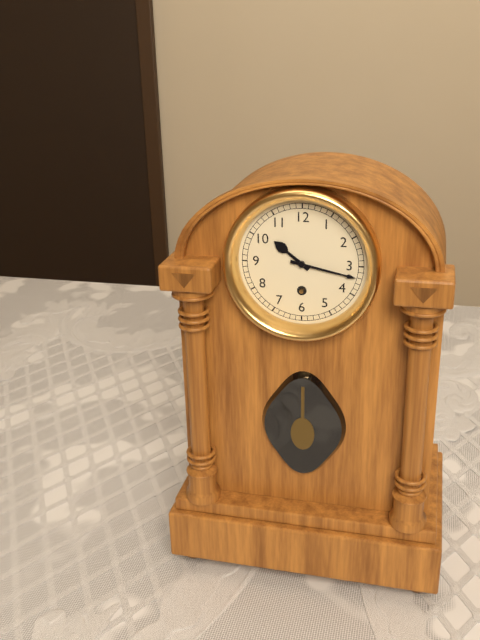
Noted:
10:17
